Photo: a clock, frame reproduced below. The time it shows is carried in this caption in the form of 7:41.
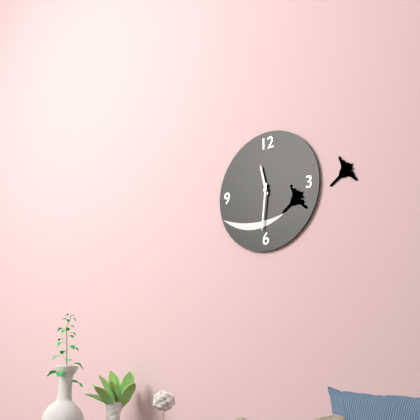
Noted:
11:31
